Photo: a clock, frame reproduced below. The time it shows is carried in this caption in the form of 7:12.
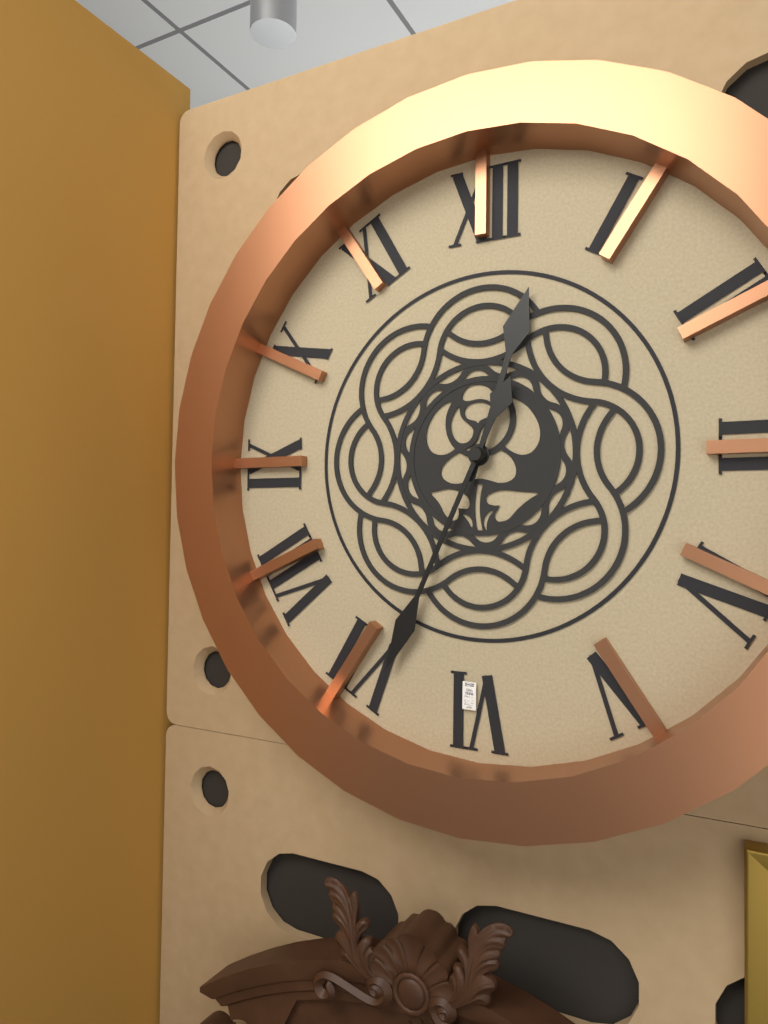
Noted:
12:34
